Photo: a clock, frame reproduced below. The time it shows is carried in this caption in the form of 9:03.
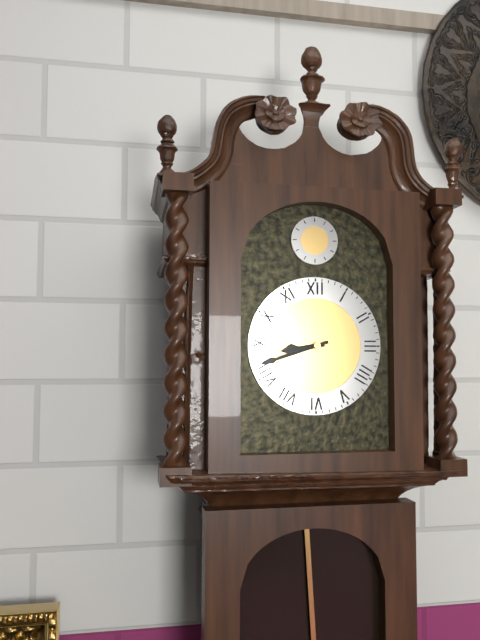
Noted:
8:42
